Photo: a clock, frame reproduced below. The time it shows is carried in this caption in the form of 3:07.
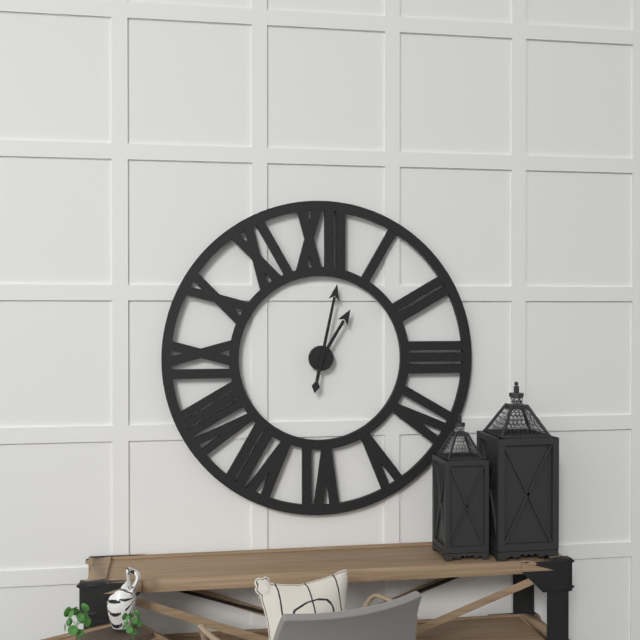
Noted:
1:02
